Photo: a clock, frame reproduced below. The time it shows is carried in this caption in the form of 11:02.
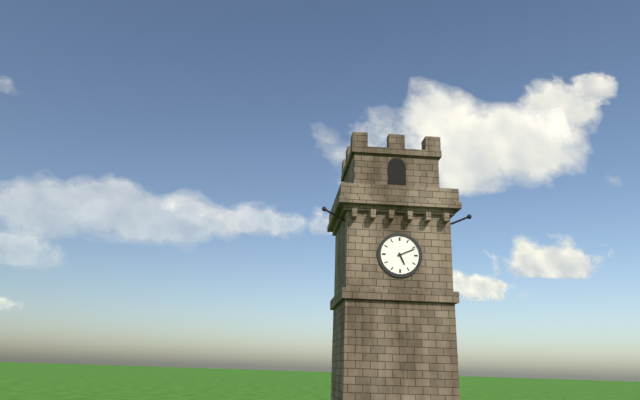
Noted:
5:11
